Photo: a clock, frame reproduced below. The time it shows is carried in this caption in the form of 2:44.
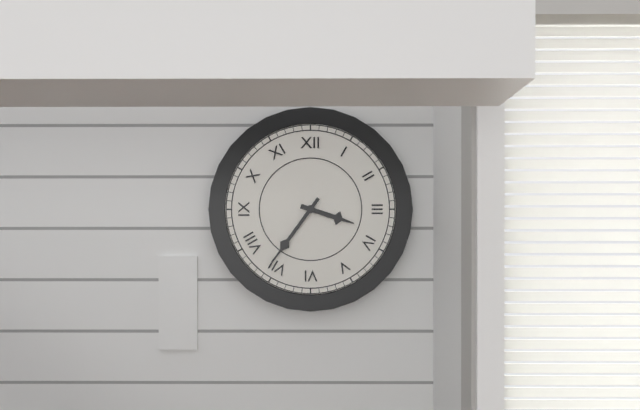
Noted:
3:36
